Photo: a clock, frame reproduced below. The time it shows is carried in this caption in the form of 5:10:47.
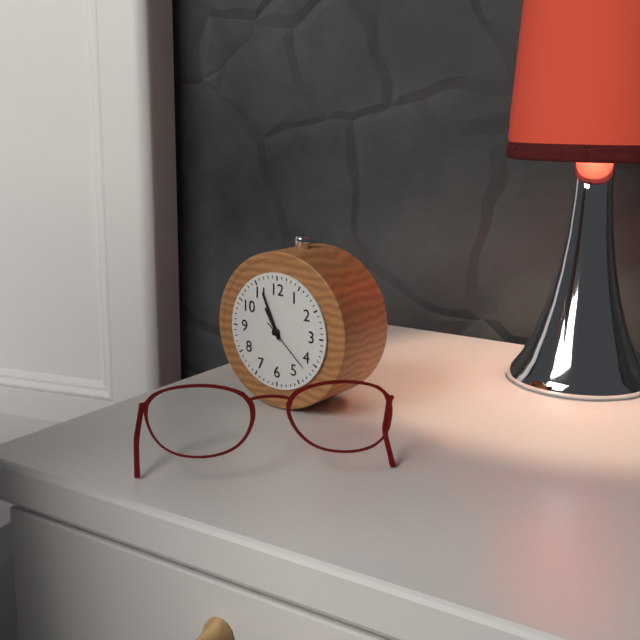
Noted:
10:56:22
